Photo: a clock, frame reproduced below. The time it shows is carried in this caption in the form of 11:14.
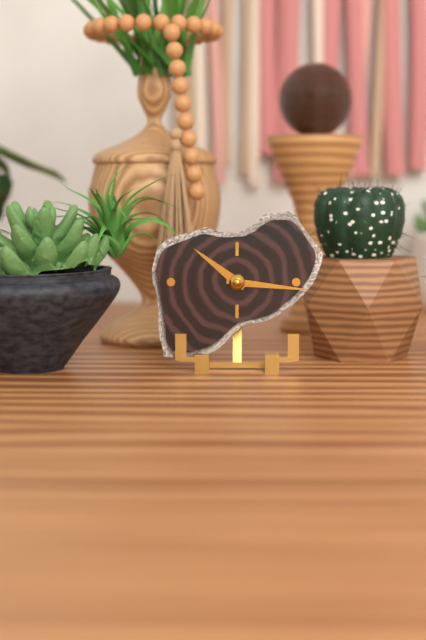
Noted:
10:16
